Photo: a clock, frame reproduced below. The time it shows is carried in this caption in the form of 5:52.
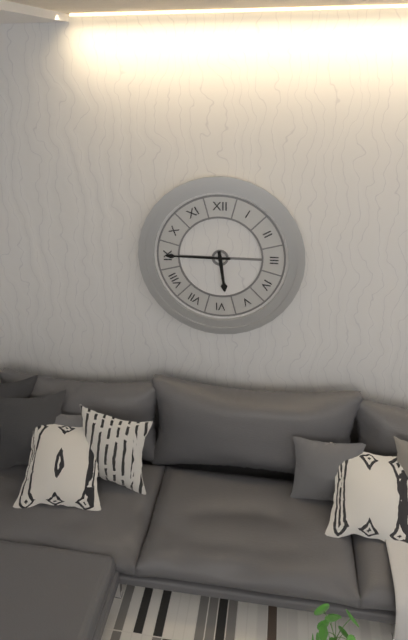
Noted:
5:45
